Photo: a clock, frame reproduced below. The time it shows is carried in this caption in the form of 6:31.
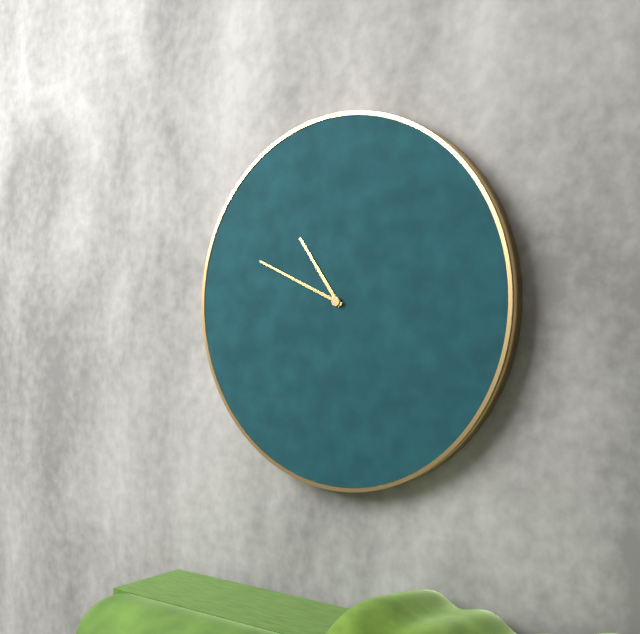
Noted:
10:49
